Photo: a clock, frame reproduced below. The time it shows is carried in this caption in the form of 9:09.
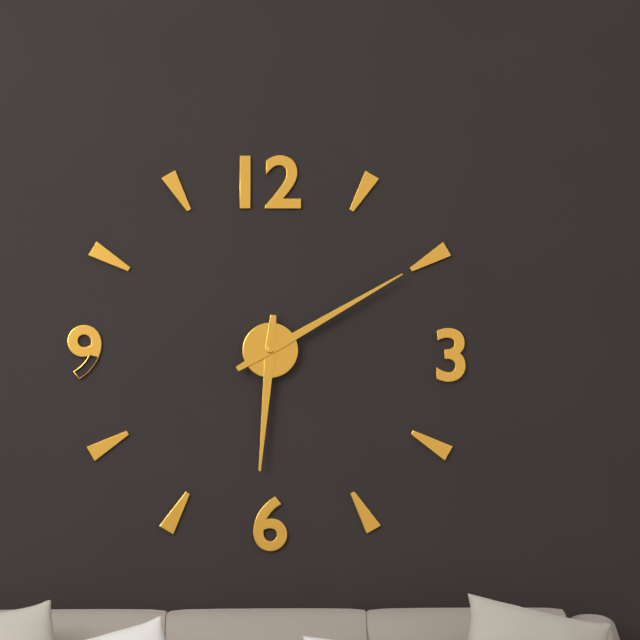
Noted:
6:10
